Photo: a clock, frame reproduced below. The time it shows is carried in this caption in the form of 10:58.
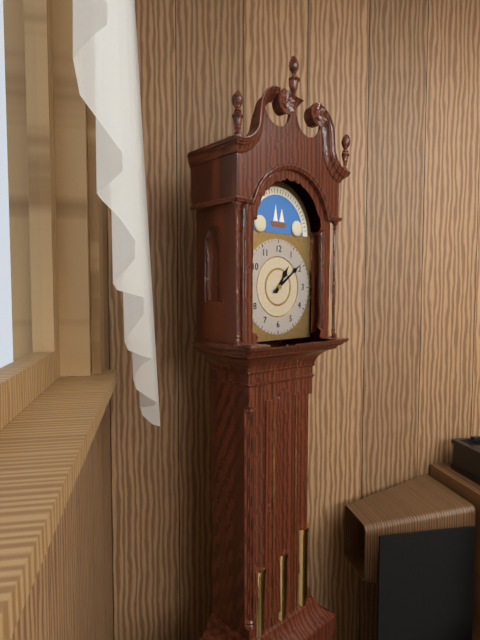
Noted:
1:09
